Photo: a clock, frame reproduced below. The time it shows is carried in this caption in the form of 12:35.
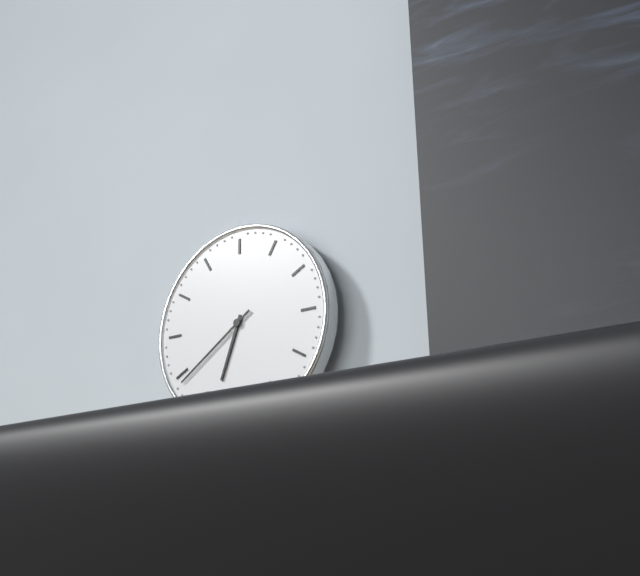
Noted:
6:39
